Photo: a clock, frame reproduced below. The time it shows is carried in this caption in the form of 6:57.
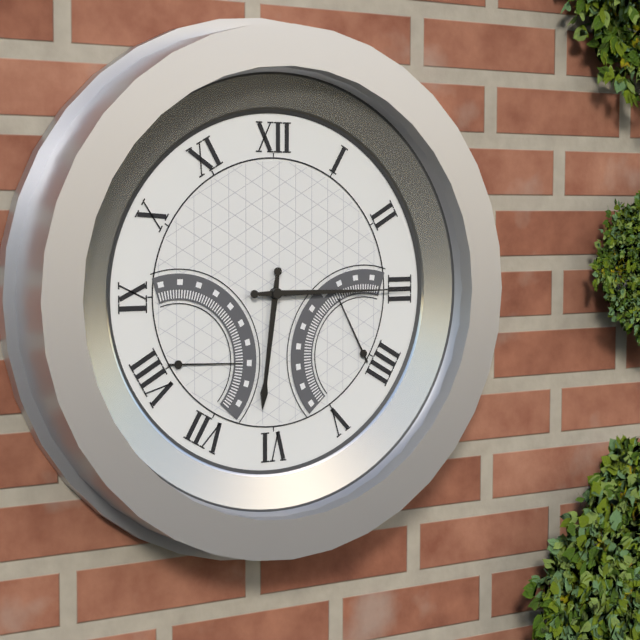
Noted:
6:15
